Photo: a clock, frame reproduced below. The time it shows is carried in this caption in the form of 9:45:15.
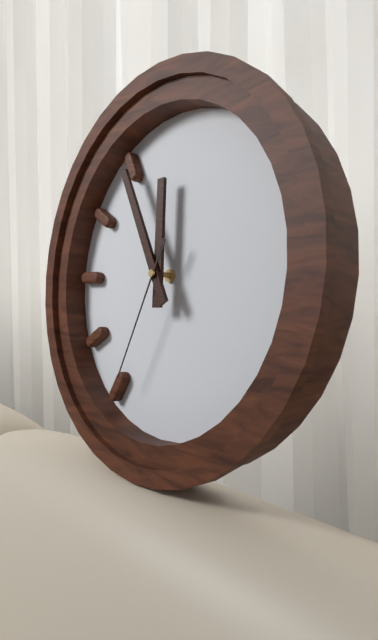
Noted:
11:55:34
